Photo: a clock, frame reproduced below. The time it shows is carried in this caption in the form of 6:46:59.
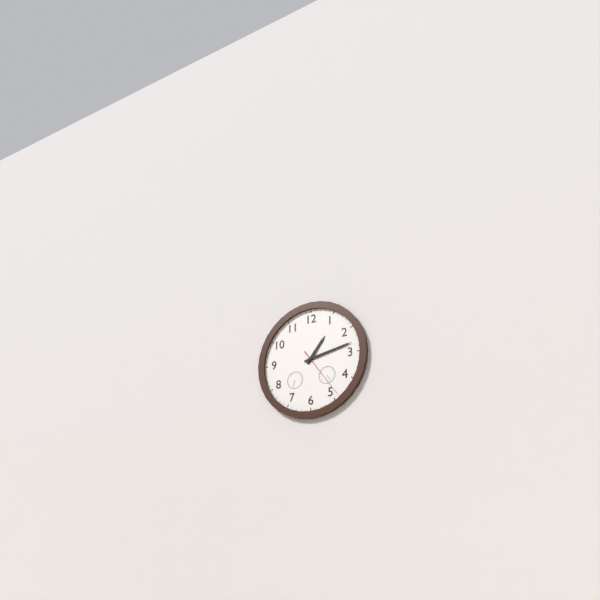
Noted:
1:13:24
